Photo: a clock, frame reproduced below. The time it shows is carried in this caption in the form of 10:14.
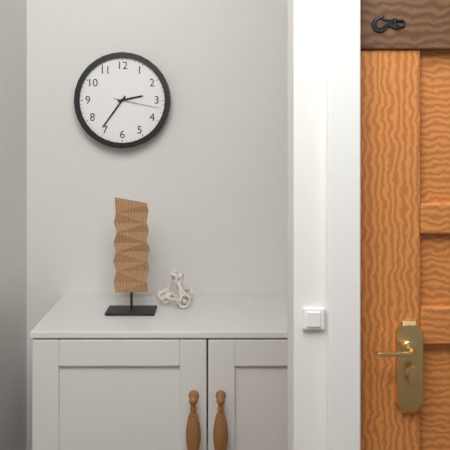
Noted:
2:36
